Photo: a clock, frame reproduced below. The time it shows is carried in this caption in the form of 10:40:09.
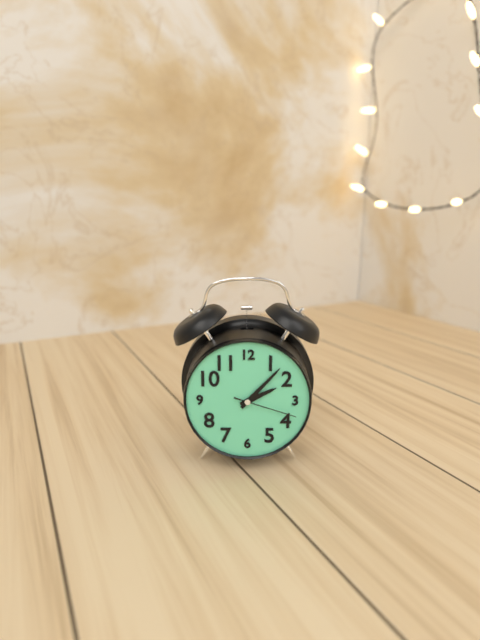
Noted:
2:07:18
